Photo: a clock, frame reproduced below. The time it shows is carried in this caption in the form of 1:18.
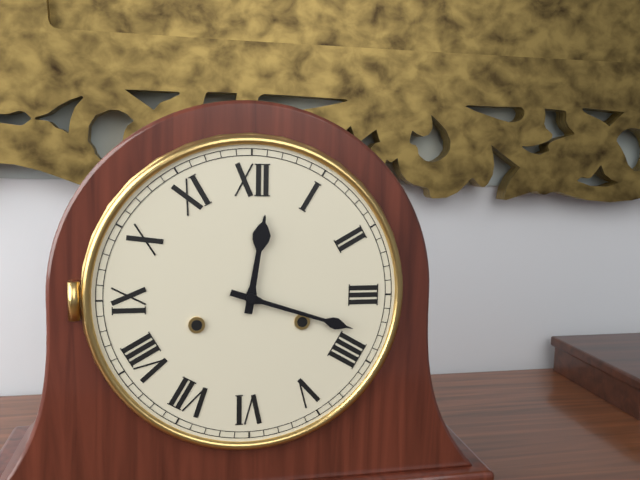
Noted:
12:18
